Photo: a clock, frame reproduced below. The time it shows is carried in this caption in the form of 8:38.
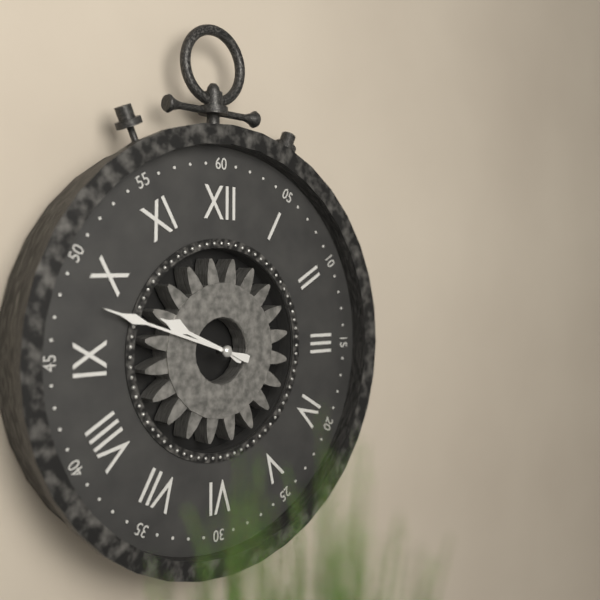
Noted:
9:48
